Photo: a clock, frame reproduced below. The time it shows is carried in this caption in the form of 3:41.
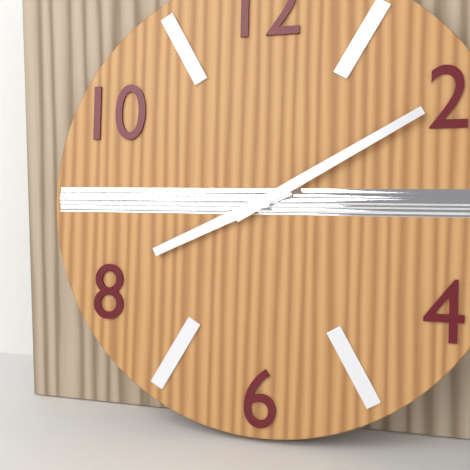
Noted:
8:10
